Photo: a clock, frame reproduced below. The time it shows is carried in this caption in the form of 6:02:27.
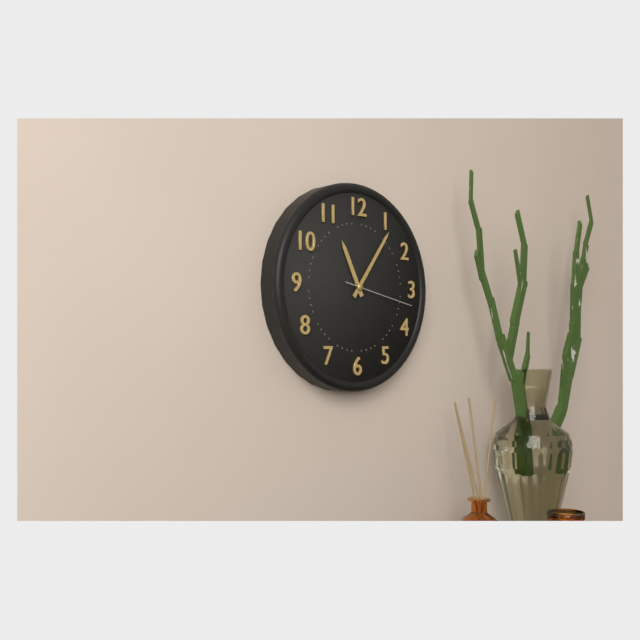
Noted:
11:06:17
